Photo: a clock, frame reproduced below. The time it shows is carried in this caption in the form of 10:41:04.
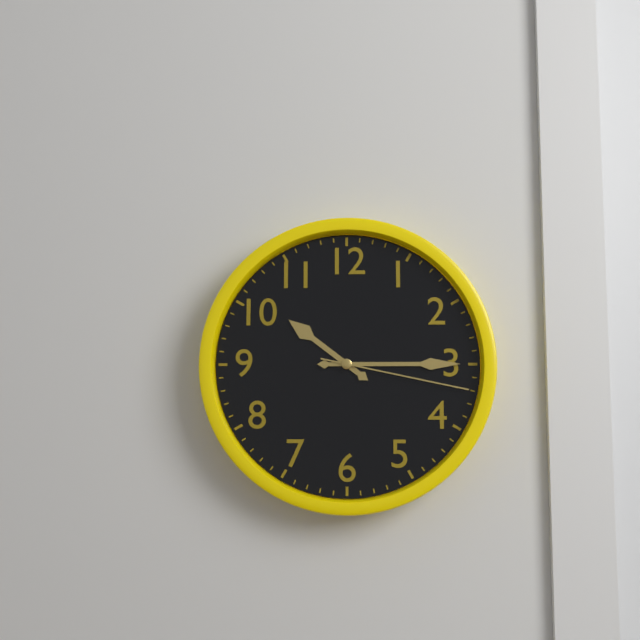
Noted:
10:15:17
